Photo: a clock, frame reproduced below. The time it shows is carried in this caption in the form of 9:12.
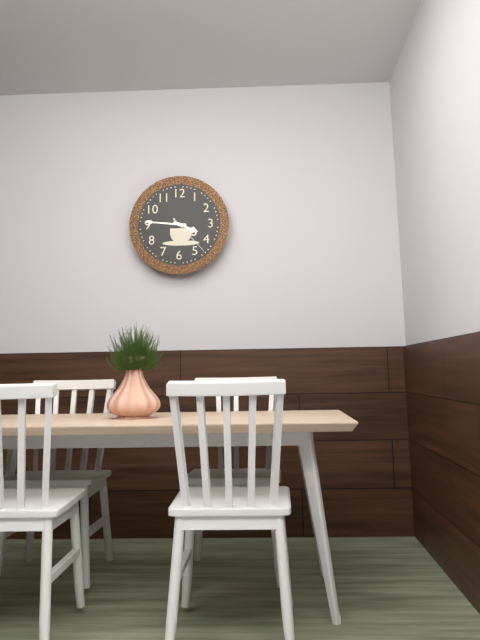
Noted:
3:46
